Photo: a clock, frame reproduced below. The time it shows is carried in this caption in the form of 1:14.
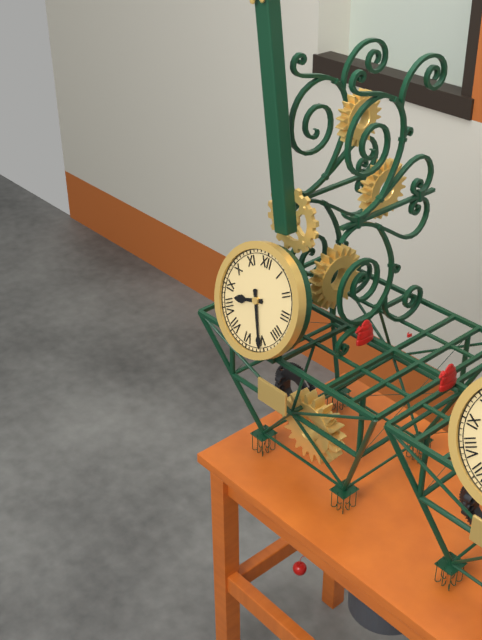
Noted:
8:26
